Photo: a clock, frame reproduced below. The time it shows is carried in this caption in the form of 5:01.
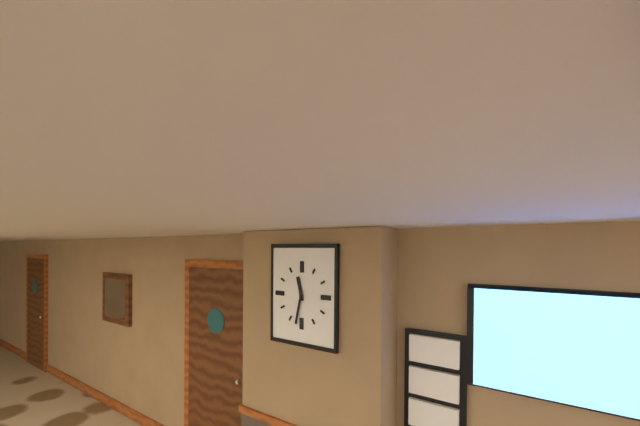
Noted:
11:32
